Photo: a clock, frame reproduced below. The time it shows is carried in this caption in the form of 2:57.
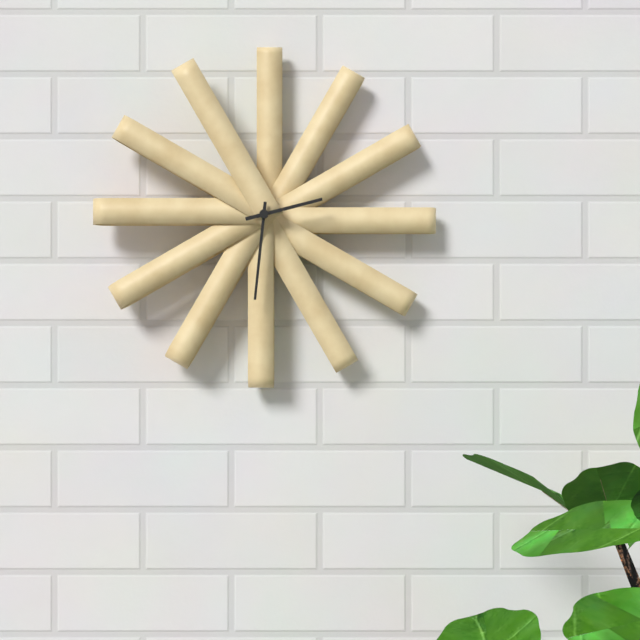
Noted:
2:31
